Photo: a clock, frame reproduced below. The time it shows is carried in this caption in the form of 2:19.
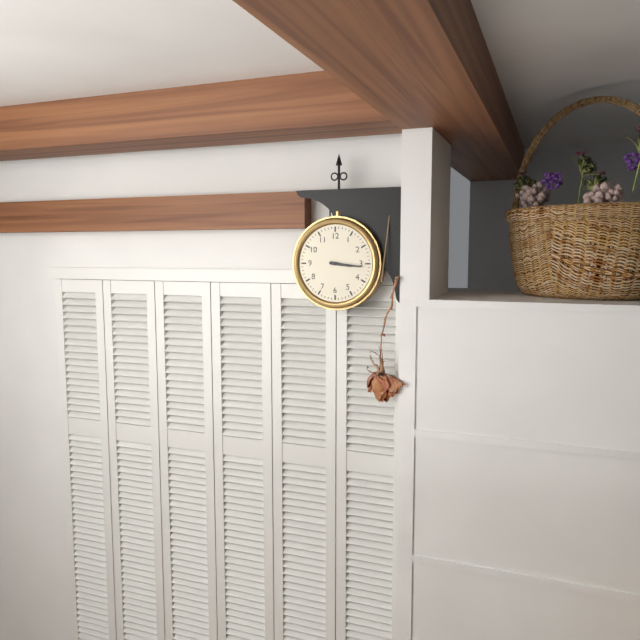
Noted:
3:16
